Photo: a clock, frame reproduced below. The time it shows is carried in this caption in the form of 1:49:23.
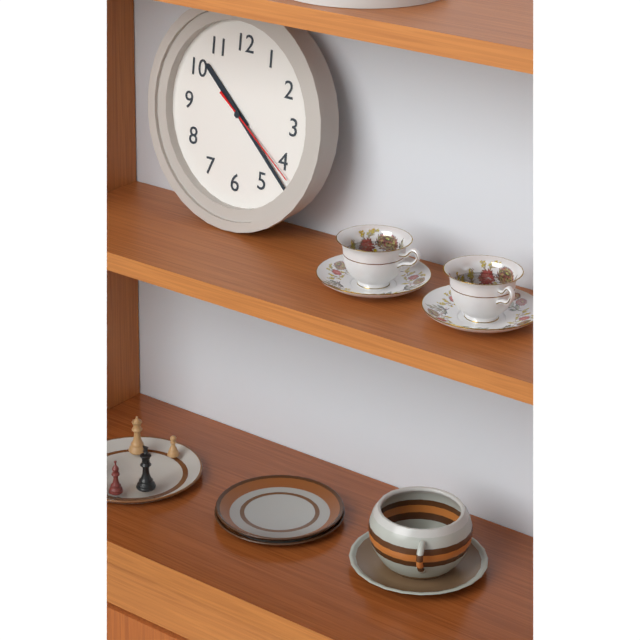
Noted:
10:22:21
